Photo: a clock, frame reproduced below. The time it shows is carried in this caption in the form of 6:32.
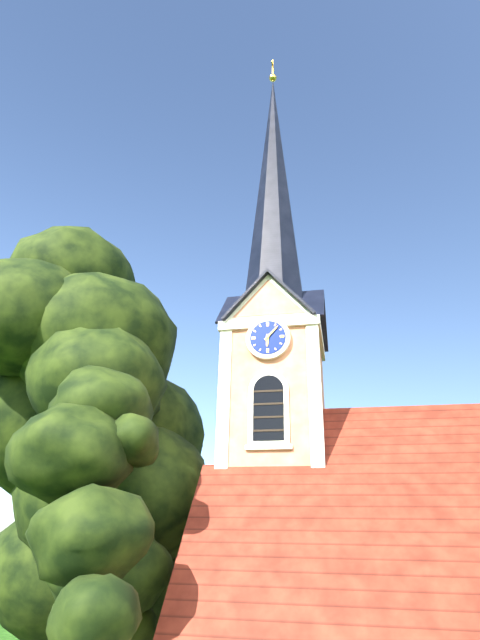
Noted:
6:07
